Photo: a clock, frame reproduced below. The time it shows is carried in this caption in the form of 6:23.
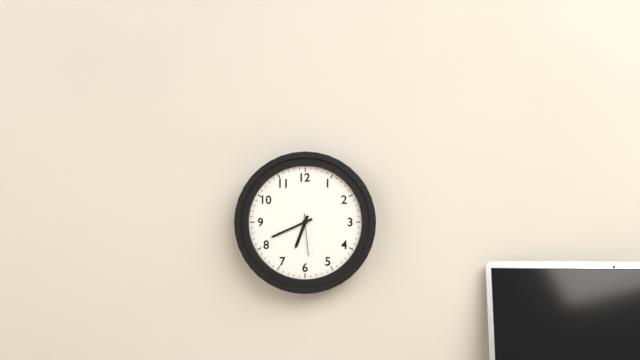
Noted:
6:41
